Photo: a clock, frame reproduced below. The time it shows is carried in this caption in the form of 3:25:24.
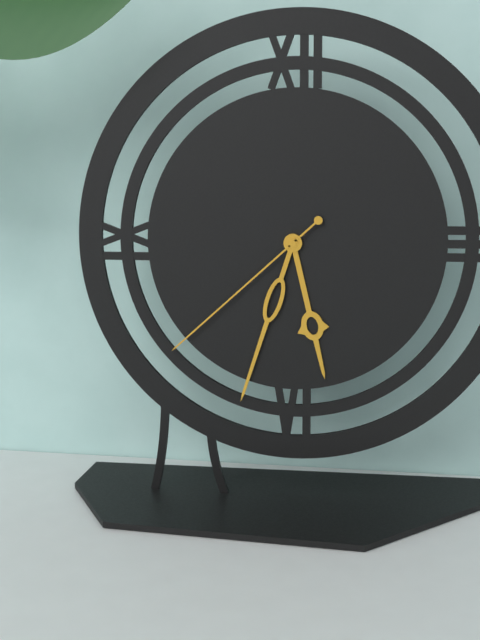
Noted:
5:33:38
